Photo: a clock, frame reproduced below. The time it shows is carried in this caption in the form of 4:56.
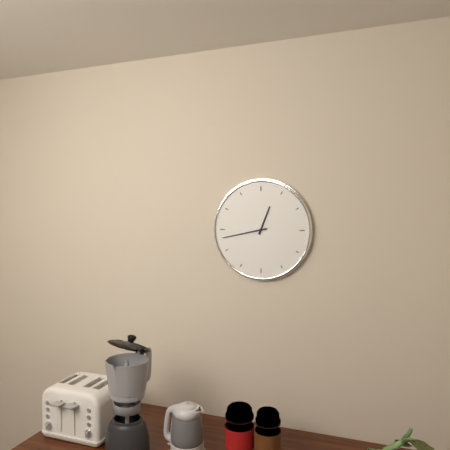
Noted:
12:43
